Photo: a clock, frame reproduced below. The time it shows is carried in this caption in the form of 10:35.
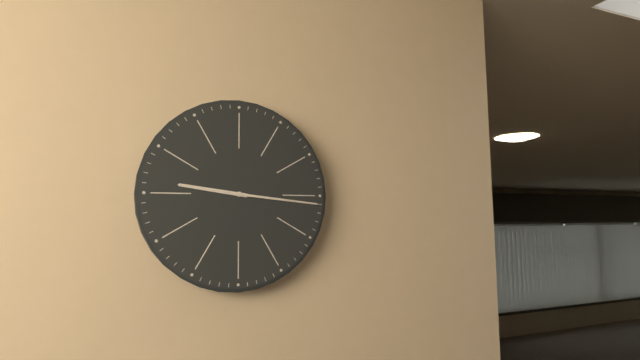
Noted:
9:16
